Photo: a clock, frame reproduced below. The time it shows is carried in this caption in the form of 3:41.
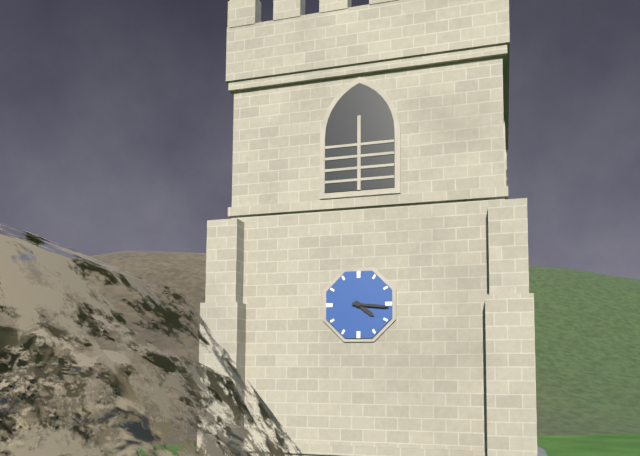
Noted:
4:16
